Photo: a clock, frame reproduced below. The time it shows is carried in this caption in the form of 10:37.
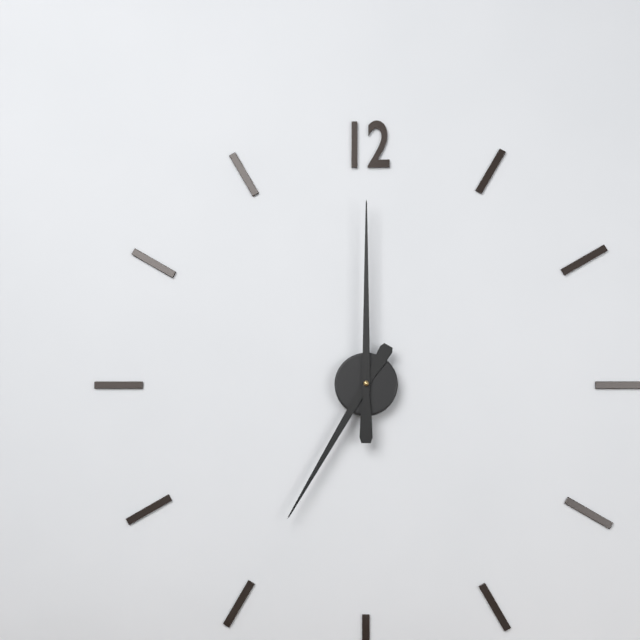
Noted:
7:00
